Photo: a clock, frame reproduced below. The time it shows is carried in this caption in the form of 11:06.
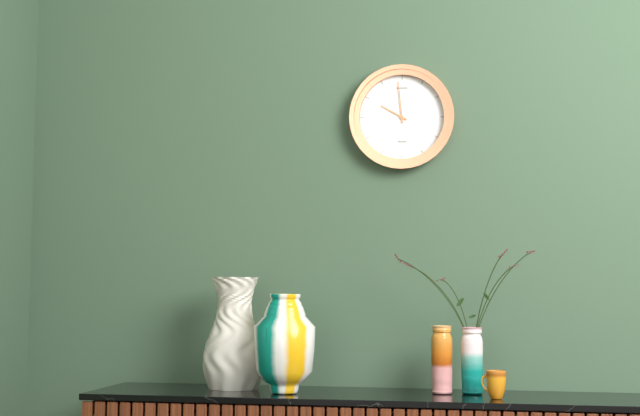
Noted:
9:59
